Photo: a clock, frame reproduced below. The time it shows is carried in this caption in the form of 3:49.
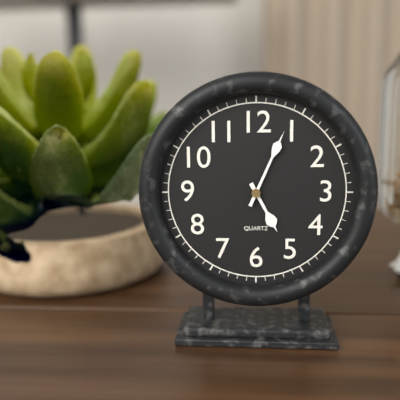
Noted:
5:04
